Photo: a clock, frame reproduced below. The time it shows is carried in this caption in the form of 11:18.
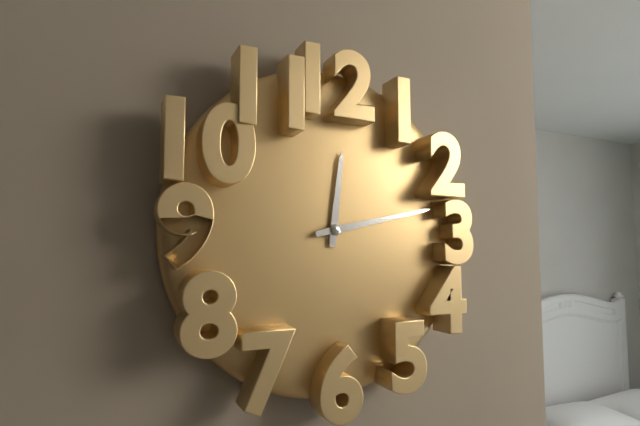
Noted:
12:13
